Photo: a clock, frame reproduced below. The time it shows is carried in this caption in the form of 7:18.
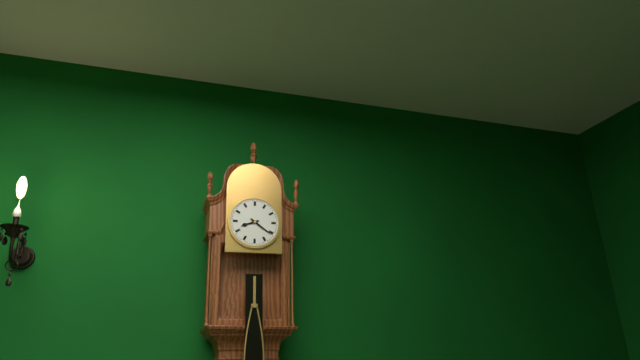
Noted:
8:21
